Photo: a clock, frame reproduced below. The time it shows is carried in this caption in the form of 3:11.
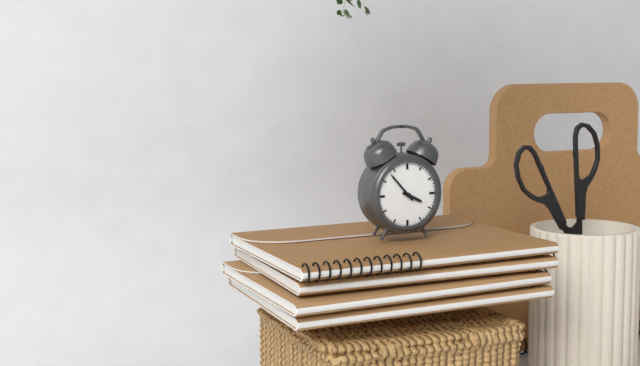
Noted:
3:53
